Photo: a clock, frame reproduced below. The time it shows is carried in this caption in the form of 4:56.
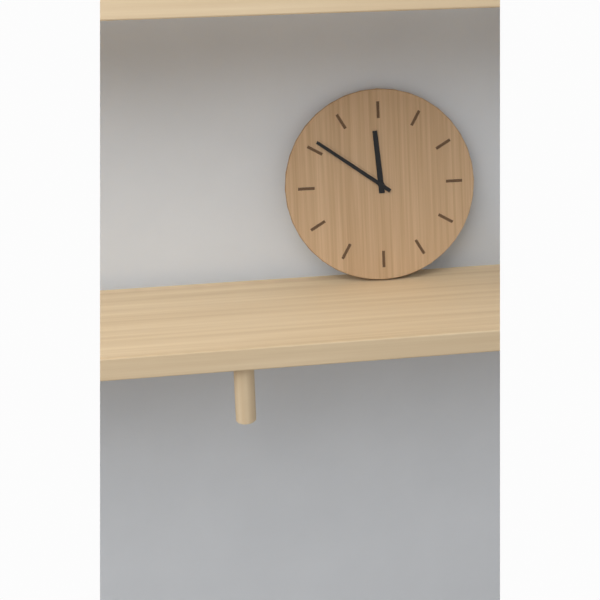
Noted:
11:51
